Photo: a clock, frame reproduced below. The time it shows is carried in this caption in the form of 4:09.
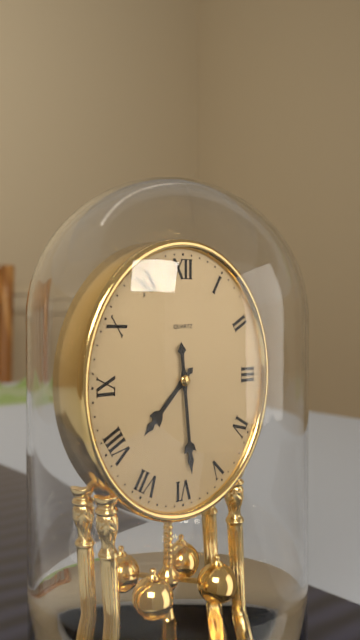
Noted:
7:29
